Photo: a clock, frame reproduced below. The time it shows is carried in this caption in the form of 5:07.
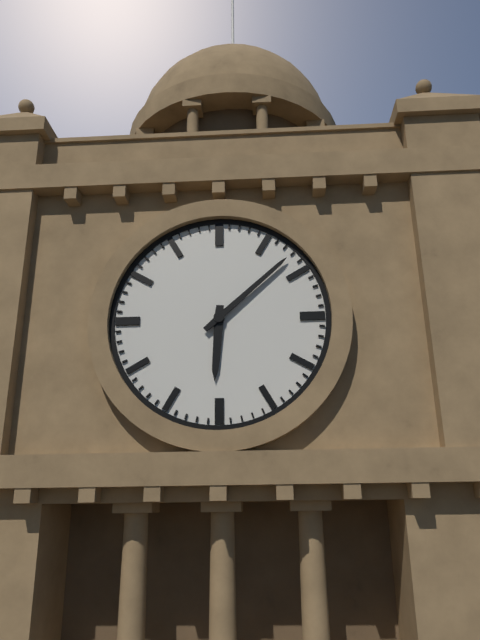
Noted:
6:08
